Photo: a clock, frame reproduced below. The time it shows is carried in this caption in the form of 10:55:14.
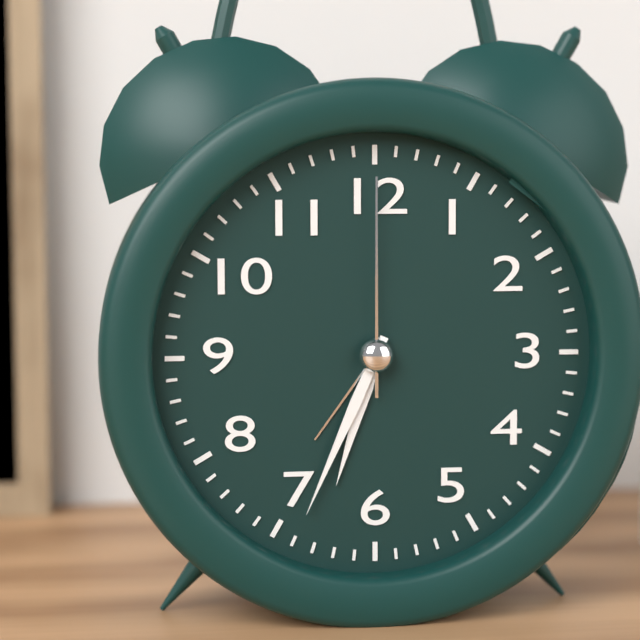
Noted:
6:34:00
